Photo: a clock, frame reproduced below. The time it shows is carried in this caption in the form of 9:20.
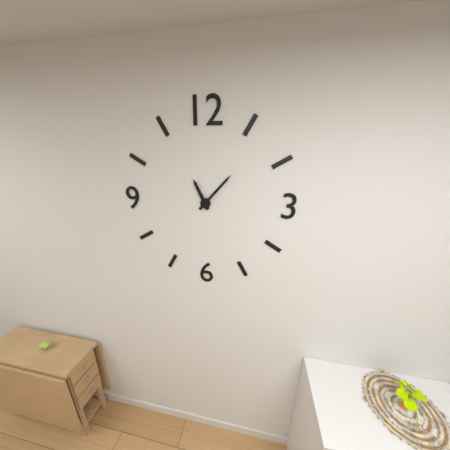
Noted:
11:07
